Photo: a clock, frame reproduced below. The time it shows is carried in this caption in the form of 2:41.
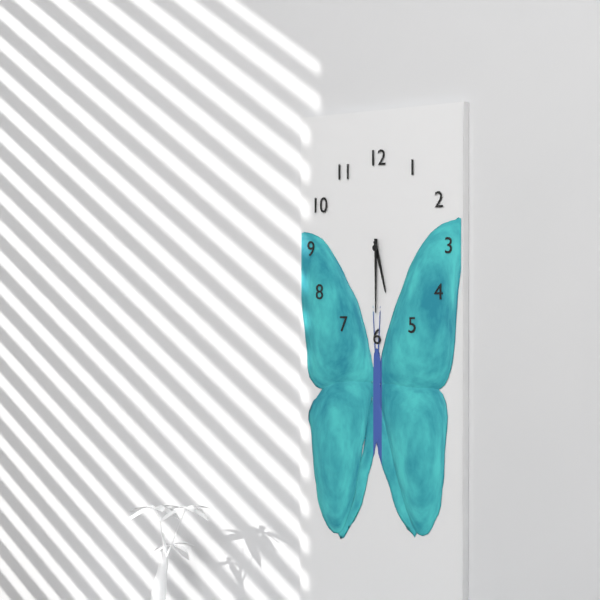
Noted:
5:30
